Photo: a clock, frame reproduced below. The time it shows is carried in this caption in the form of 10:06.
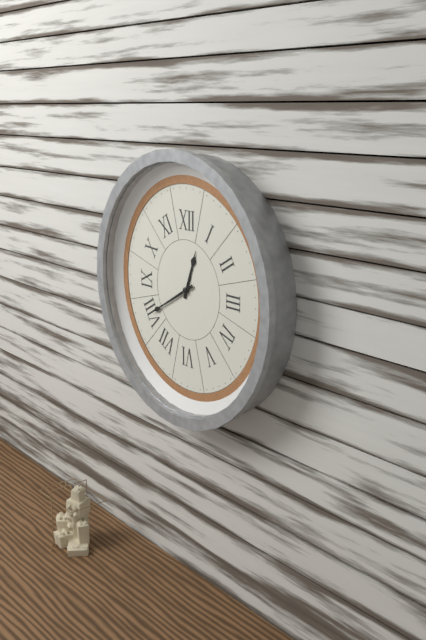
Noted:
12:40
